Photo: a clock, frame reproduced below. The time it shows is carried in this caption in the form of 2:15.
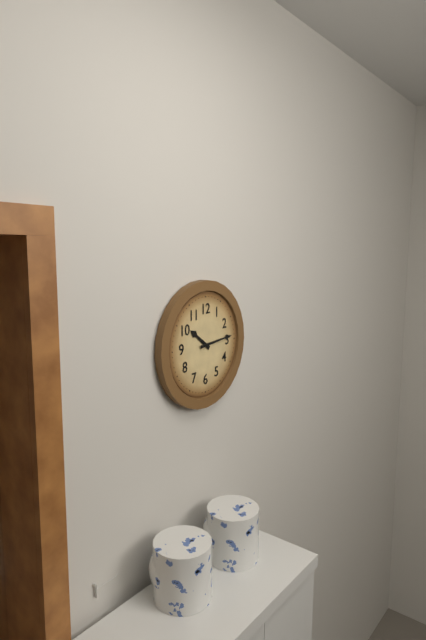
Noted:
10:14
